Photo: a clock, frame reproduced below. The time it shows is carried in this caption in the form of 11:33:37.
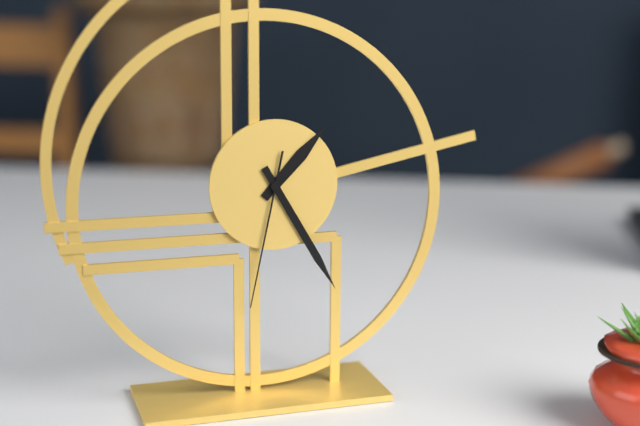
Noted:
1:25:32
